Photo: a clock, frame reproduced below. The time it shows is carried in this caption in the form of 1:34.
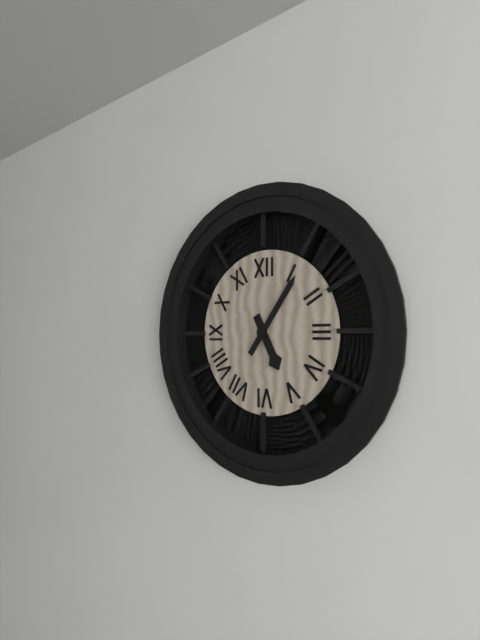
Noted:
5:06
